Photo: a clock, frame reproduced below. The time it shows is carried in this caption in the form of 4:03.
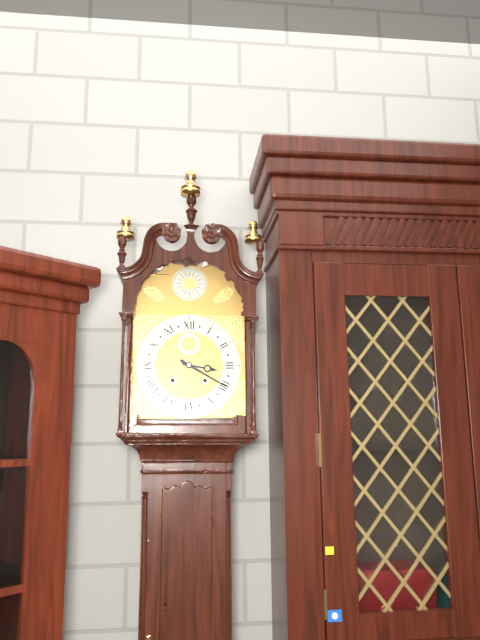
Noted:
3:20
